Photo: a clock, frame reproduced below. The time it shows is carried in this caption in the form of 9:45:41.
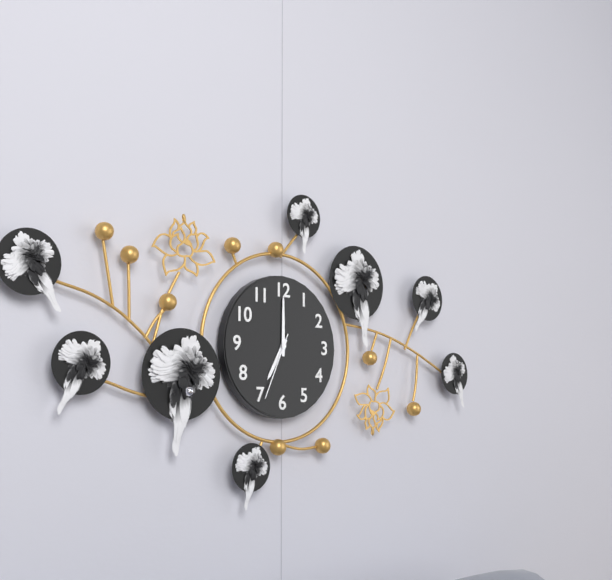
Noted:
7:00:34
